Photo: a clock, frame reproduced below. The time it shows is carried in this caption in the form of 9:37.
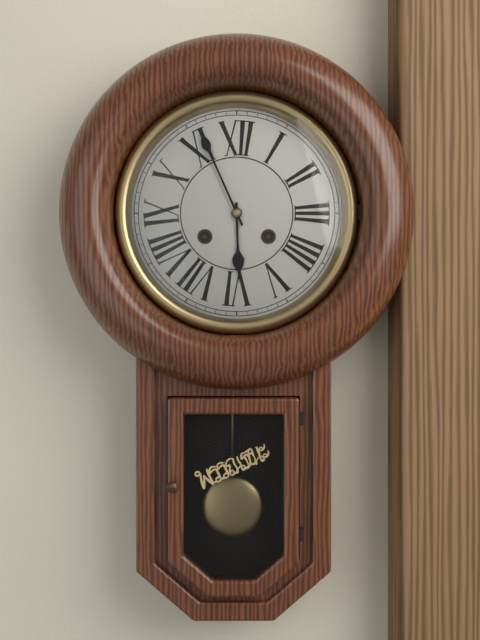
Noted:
5:56
